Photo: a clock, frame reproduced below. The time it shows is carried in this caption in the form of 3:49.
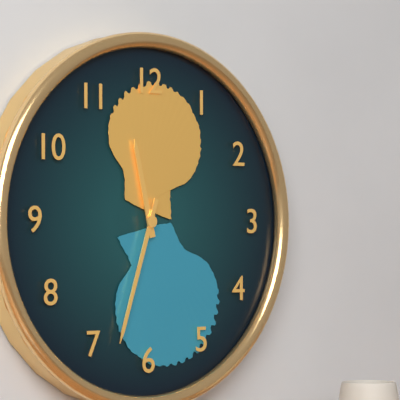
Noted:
11:33
